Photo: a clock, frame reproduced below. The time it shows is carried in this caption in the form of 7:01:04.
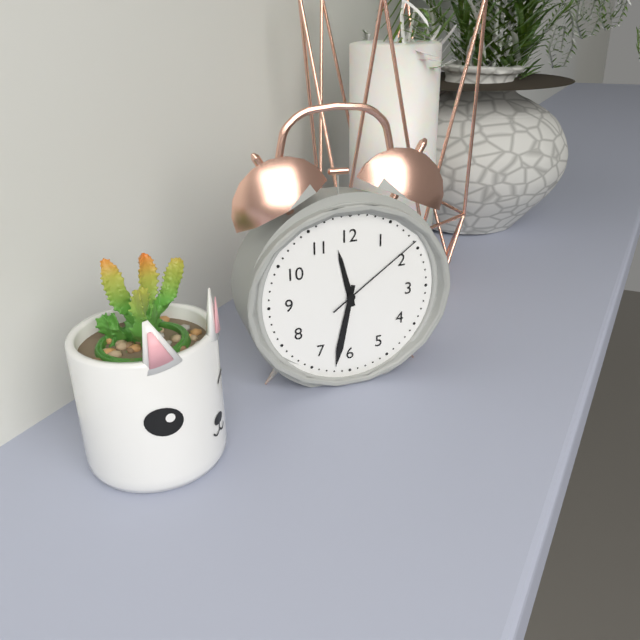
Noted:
11:32:09
